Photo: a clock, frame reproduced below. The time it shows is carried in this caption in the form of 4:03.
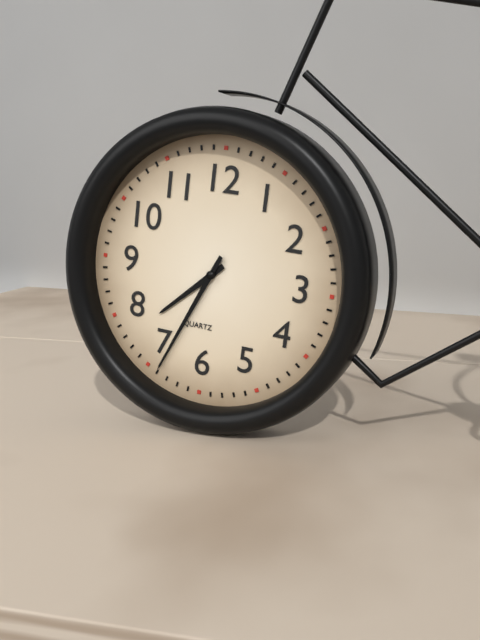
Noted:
7:34
